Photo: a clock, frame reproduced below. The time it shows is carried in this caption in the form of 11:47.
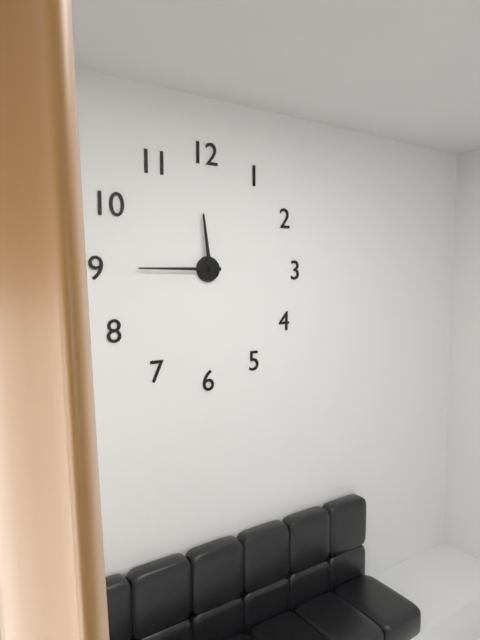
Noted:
11:45
